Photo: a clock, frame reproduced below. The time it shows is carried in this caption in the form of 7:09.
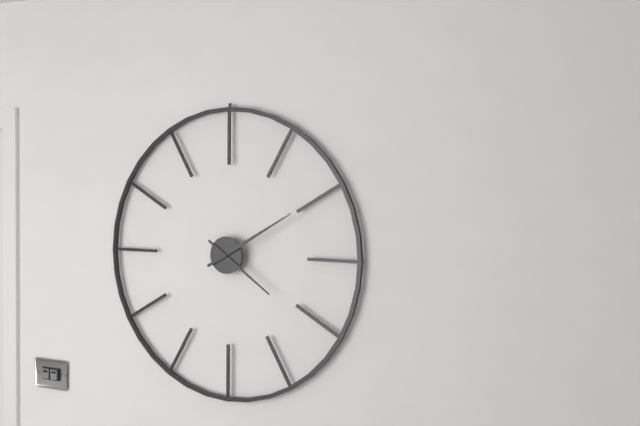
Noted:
4:10
